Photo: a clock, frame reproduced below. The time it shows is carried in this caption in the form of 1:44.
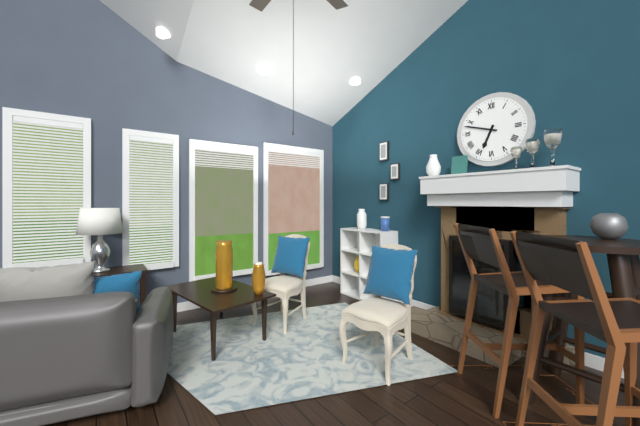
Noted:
6:48
